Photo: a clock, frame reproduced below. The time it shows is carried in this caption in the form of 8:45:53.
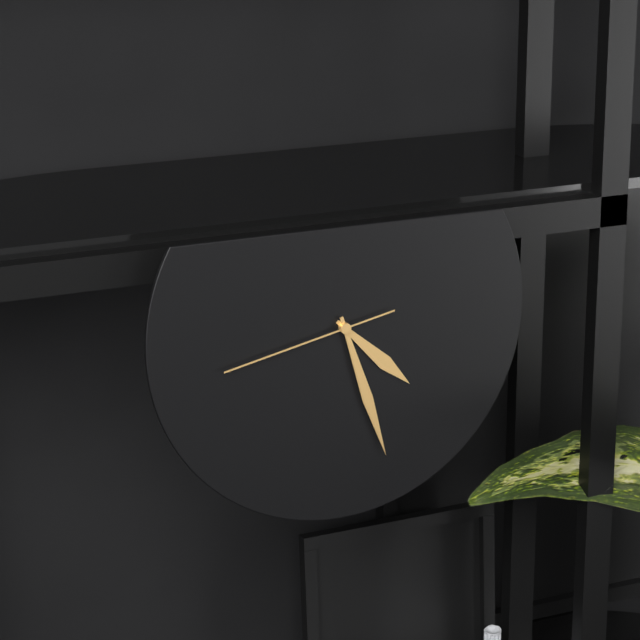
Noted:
4:27:43
